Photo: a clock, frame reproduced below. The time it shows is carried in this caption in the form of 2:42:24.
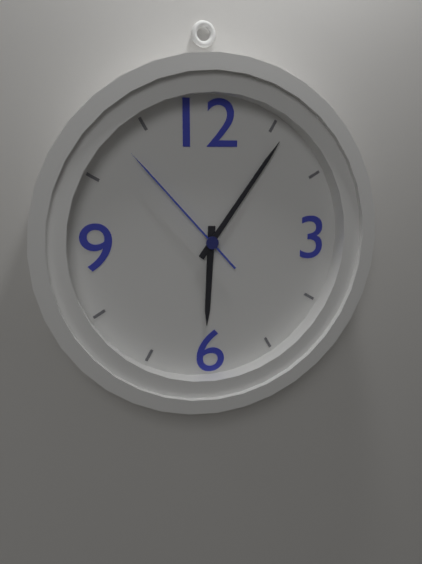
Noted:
6:06:53
